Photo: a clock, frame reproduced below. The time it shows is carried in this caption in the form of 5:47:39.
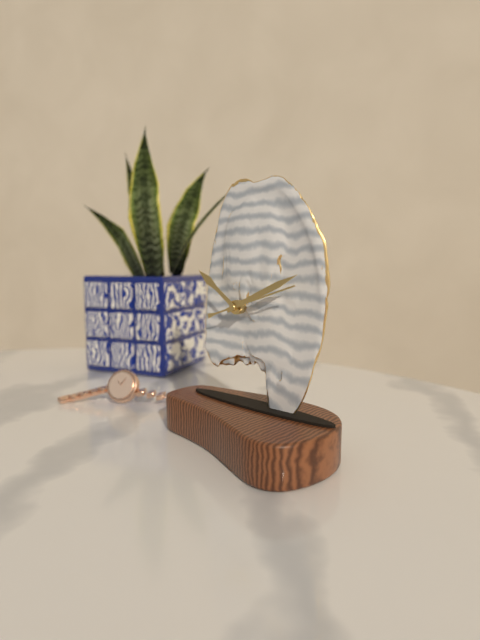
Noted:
10:11:12
